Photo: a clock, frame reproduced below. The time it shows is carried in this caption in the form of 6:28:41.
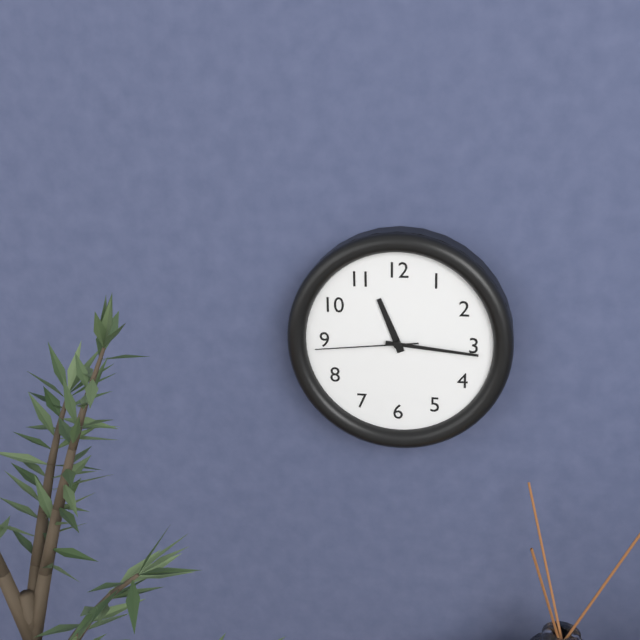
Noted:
11:16:44
